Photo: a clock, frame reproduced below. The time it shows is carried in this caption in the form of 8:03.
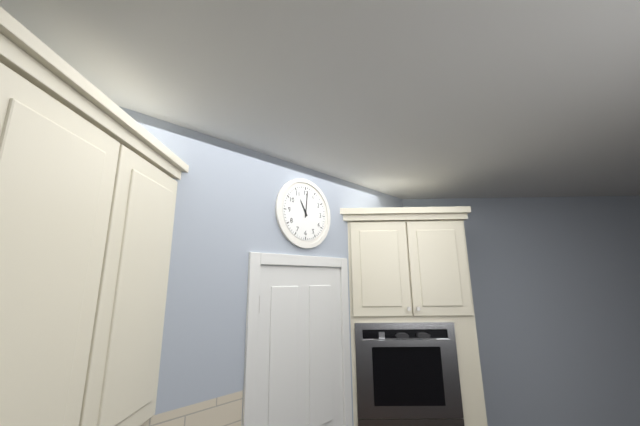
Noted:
11:01
